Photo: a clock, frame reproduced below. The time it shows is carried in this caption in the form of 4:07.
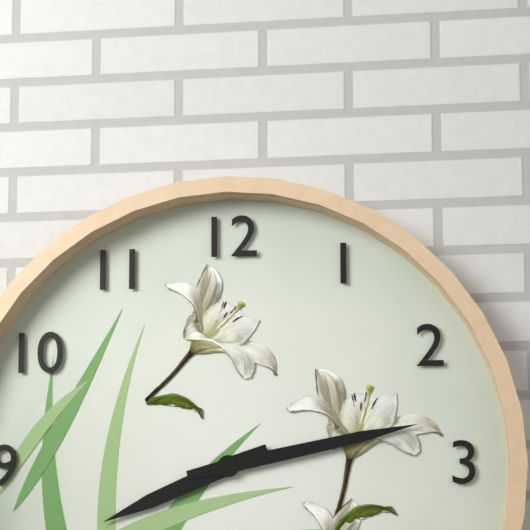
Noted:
8:13
